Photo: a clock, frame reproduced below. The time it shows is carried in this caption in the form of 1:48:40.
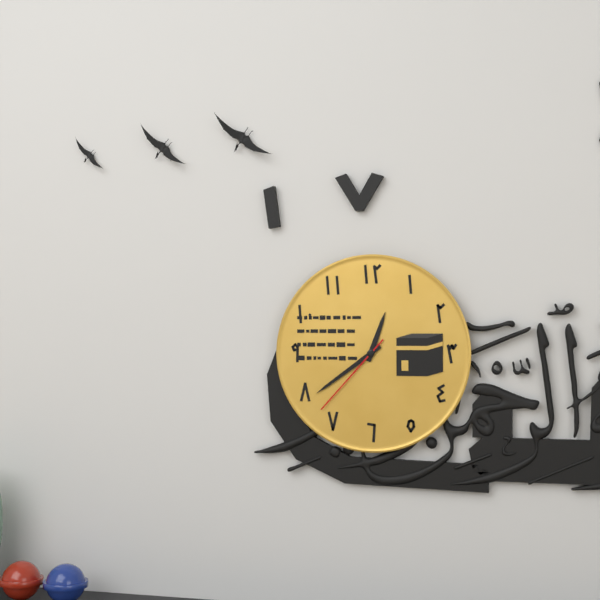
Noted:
12:39:37
